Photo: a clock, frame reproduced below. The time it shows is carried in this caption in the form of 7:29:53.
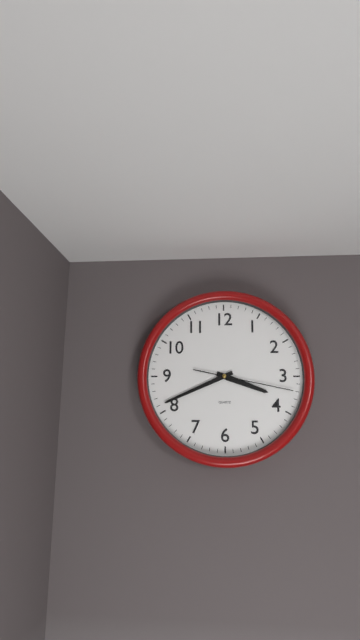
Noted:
3:41:17
